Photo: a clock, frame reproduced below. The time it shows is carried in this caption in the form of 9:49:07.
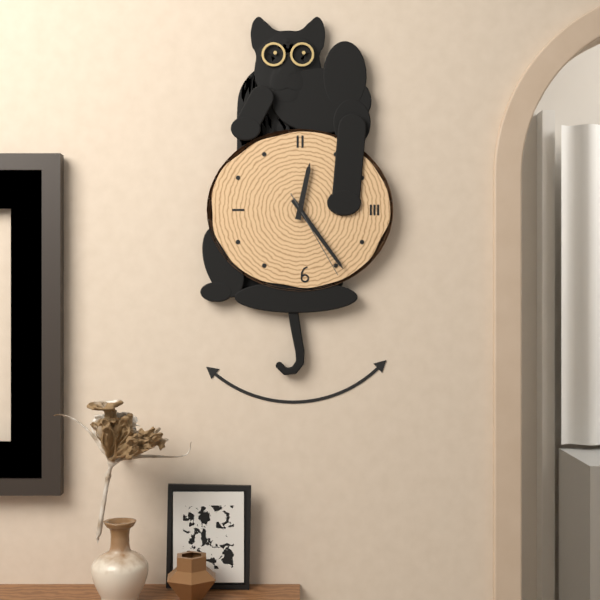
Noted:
12:24:25
